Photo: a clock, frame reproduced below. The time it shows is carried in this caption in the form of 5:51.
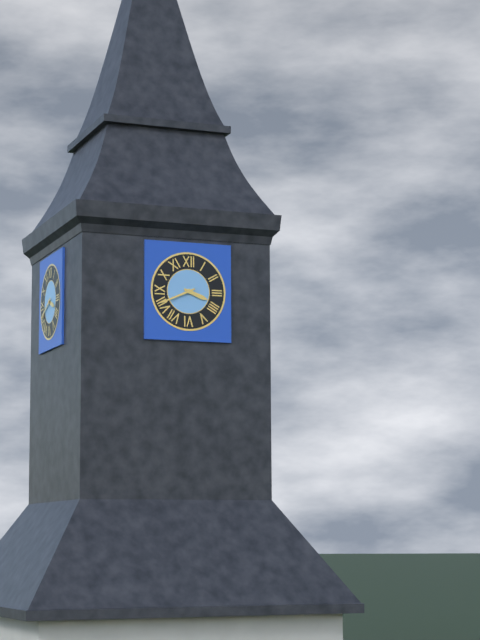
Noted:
3:41
